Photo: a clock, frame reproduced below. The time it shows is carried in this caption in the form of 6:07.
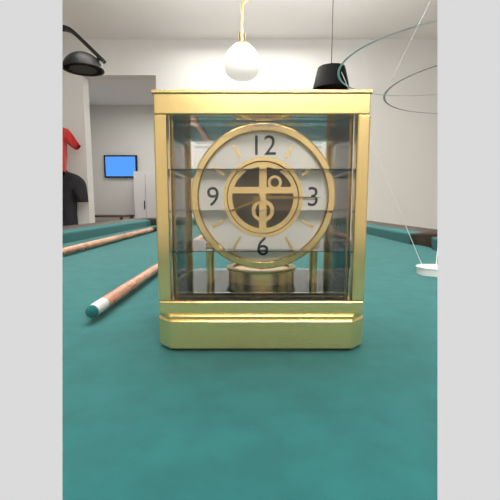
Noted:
8:15
